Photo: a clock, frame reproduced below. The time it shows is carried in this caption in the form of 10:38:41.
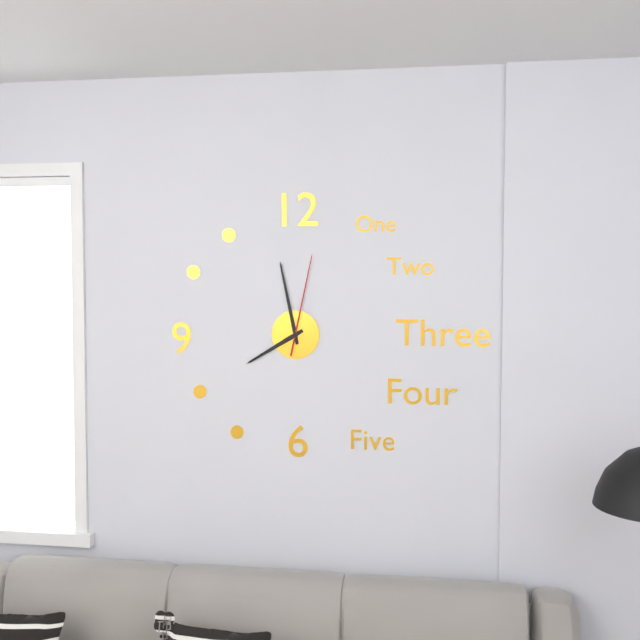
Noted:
7:58:02
